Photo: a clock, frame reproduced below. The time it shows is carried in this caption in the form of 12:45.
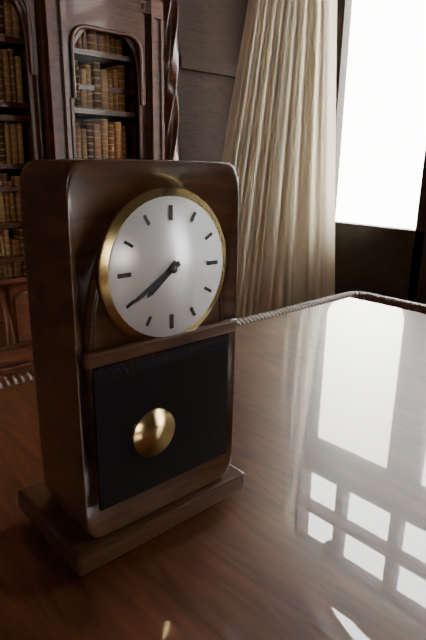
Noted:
7:40
